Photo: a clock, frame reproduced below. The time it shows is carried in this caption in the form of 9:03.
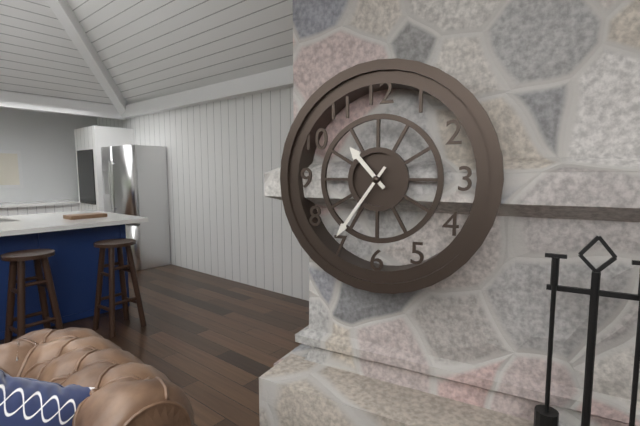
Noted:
10:36
